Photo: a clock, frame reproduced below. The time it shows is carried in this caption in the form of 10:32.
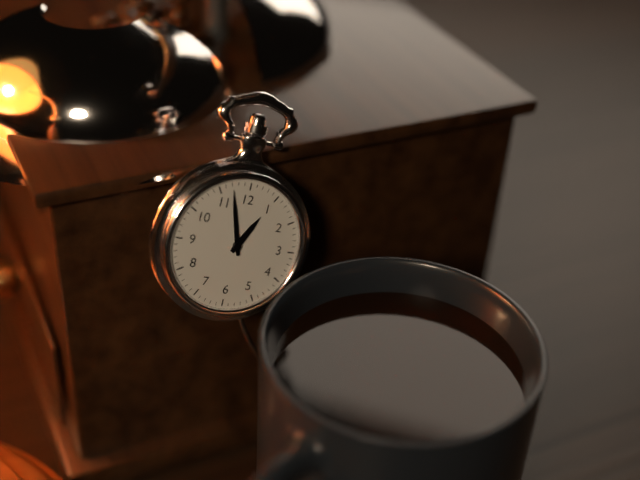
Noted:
12:57
